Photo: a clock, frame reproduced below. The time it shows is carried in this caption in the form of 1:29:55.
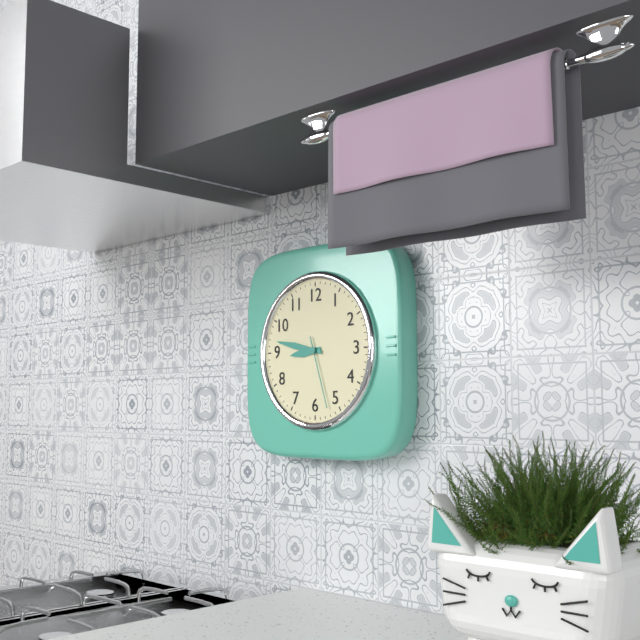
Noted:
8:47:27
